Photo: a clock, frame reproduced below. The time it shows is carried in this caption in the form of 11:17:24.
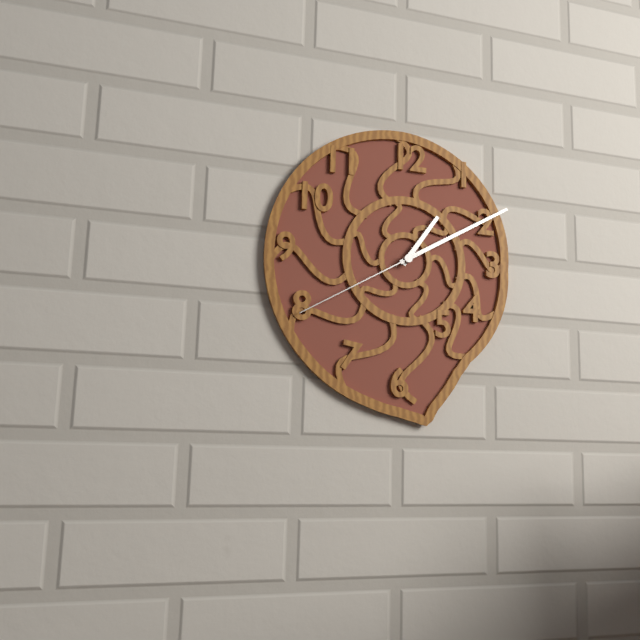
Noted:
1:10:40
